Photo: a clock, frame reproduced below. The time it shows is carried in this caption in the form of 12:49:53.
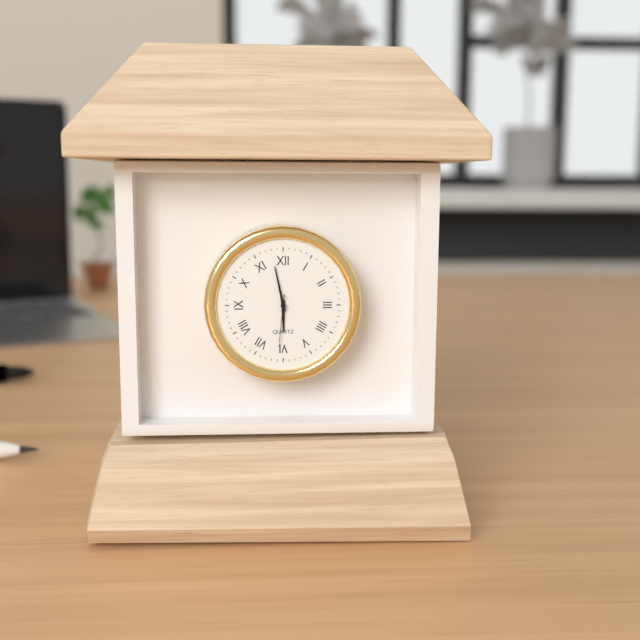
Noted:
5:58:31
